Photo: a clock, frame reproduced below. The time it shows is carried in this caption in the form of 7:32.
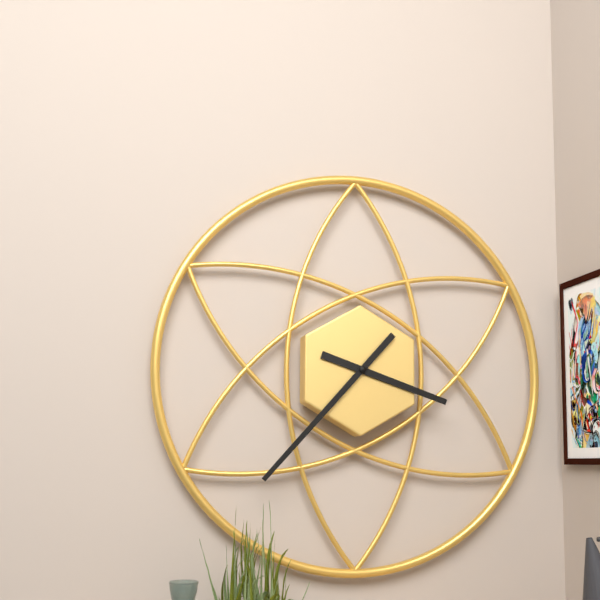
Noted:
3:37
